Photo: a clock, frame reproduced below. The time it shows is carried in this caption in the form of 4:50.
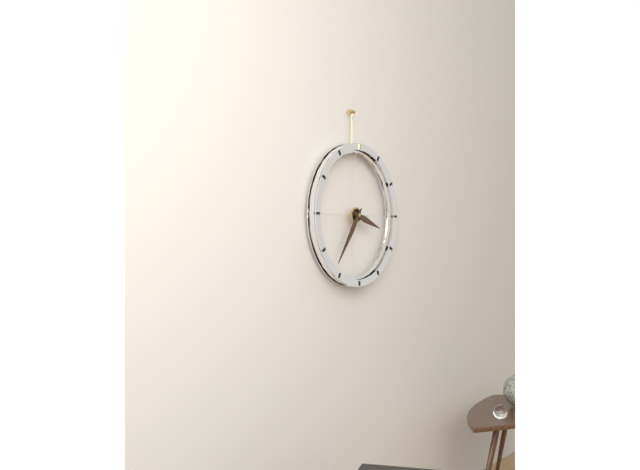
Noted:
3:36
